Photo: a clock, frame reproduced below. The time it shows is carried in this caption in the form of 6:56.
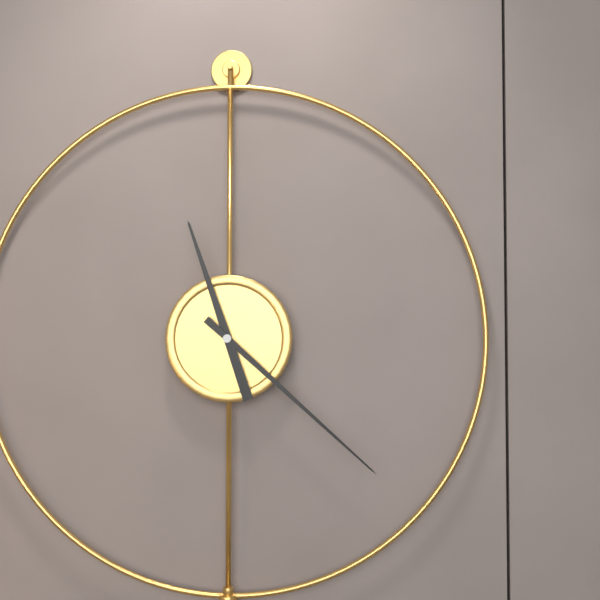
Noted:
11:22
